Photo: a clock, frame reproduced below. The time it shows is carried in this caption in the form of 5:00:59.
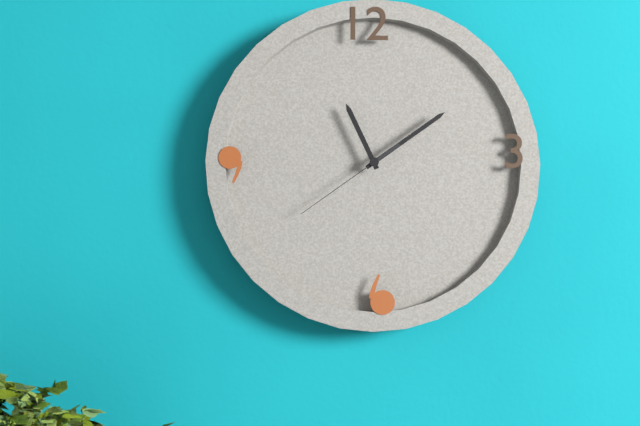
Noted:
11:09:39
